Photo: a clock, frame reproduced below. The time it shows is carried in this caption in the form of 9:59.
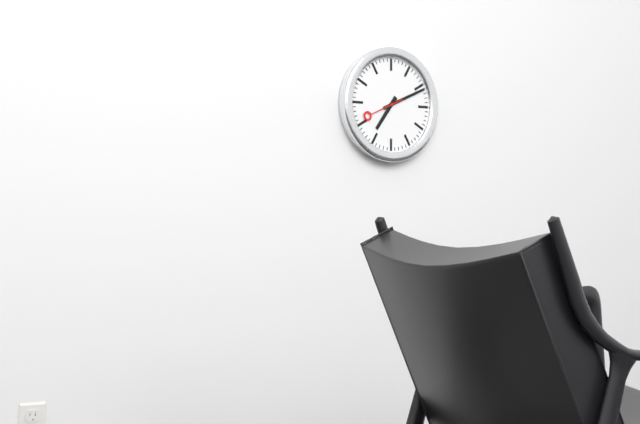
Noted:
7:11
